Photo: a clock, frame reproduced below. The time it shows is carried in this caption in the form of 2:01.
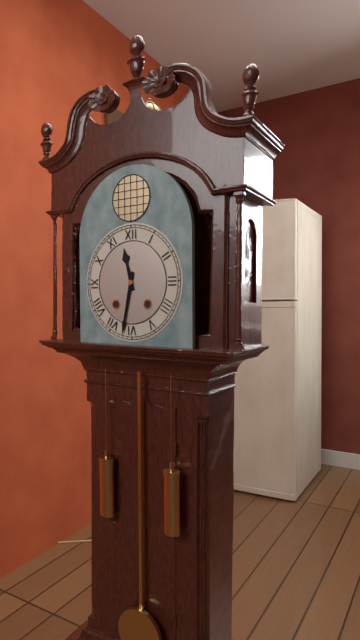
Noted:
11:32
